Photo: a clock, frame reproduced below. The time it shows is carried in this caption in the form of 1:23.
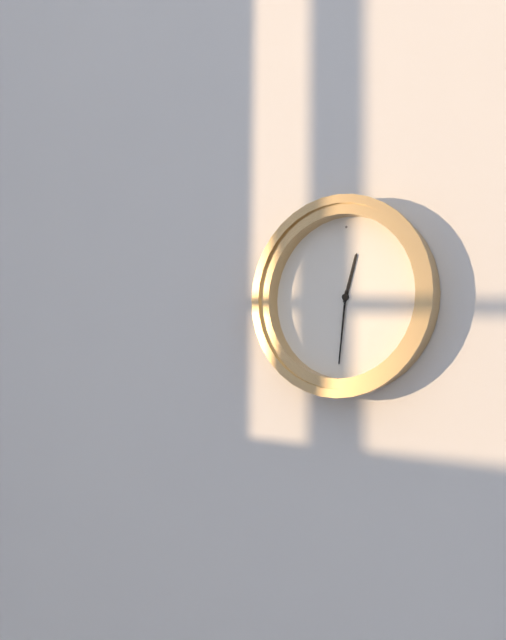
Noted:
12:31
